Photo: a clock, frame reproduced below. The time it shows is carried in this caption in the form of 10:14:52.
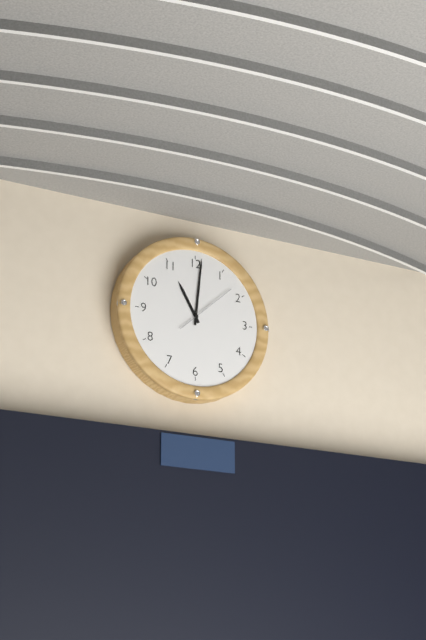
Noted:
11:01:08
